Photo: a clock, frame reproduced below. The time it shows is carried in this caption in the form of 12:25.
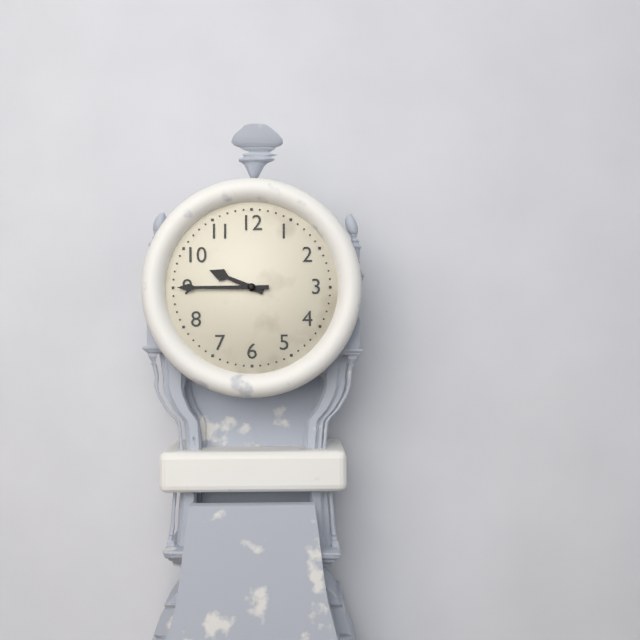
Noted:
9:45
